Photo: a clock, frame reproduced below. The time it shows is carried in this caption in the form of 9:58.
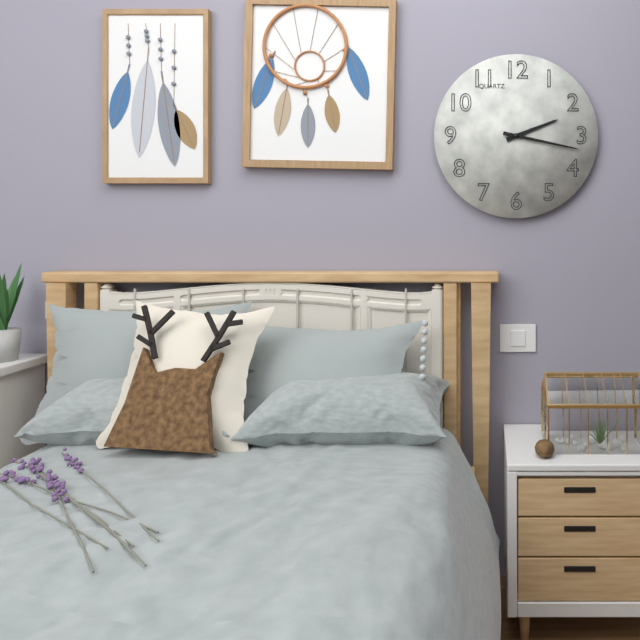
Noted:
2:17
